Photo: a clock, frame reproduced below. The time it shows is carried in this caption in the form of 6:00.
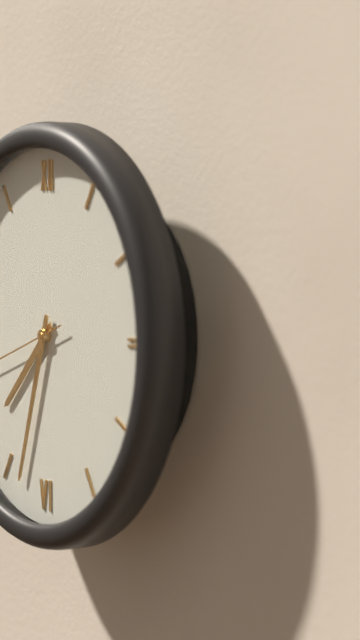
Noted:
7:33
